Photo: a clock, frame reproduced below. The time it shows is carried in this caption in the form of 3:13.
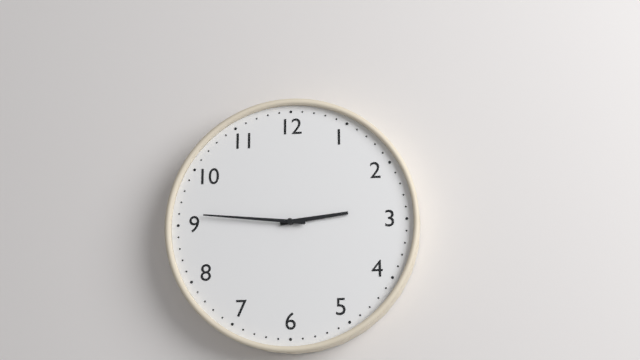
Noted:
2:46
